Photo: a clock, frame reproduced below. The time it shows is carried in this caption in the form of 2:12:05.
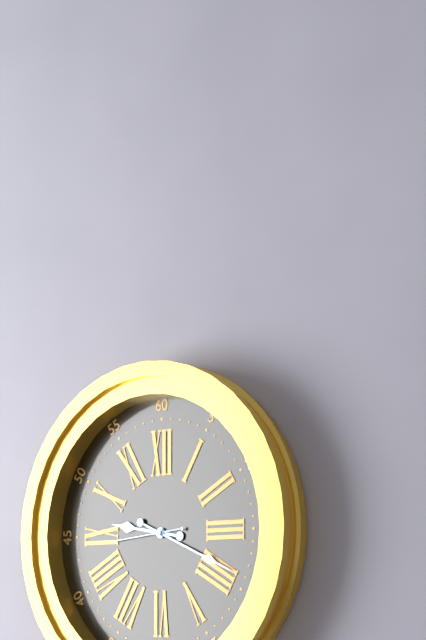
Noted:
9:19:44
